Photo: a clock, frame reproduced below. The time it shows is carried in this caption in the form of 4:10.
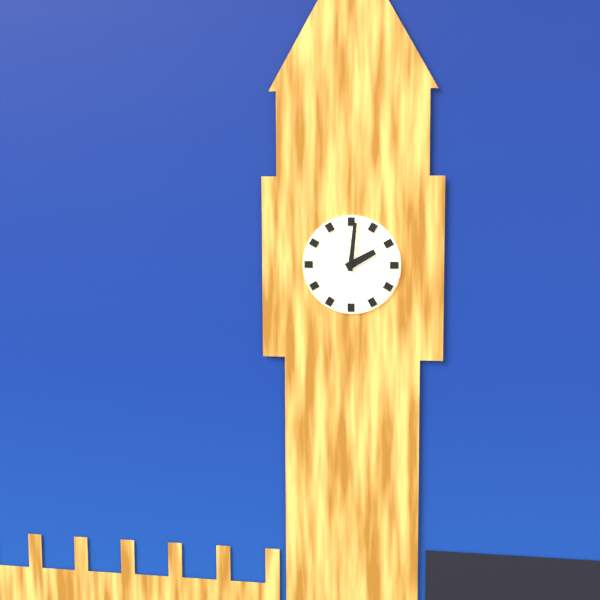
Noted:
2:01
